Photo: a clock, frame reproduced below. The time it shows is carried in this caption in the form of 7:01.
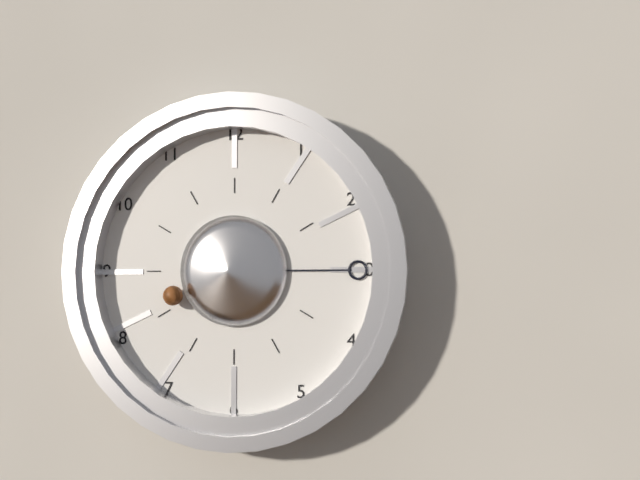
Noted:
8:15
